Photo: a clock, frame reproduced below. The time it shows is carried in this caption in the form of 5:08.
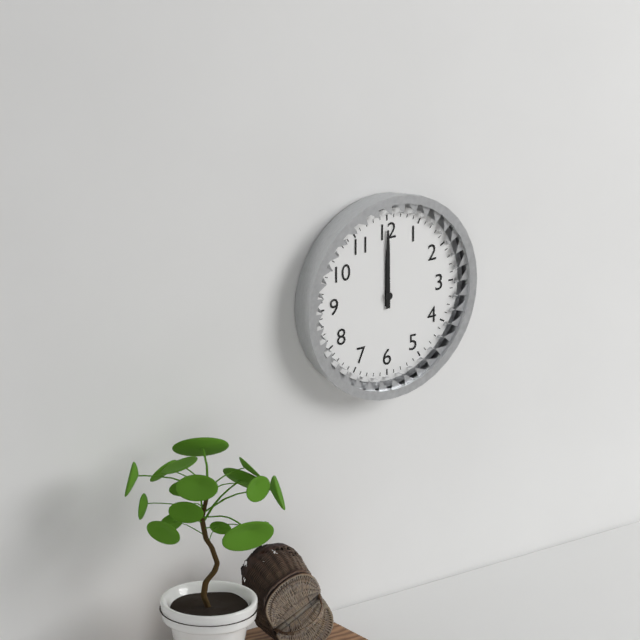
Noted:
12:00
